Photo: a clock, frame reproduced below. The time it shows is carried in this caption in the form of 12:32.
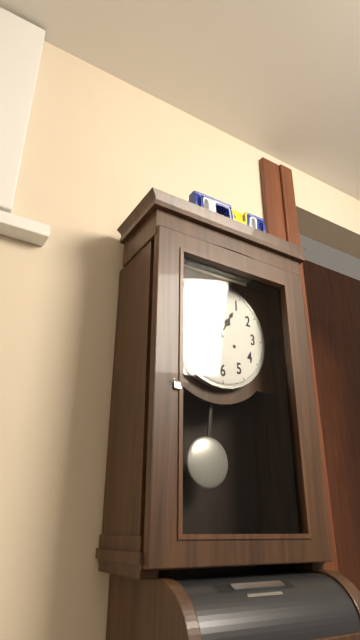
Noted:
1:00
